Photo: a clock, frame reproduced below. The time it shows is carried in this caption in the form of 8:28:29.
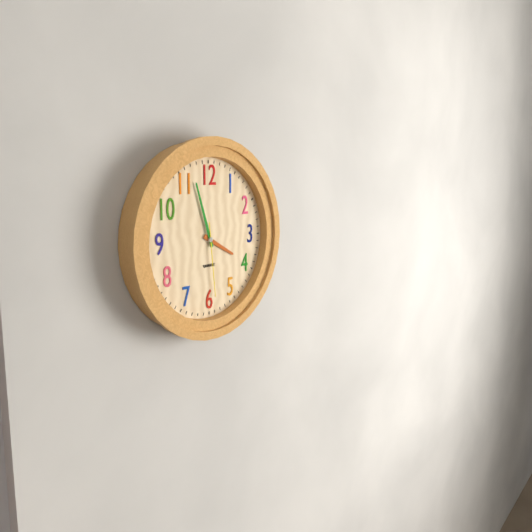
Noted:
3:57:29
